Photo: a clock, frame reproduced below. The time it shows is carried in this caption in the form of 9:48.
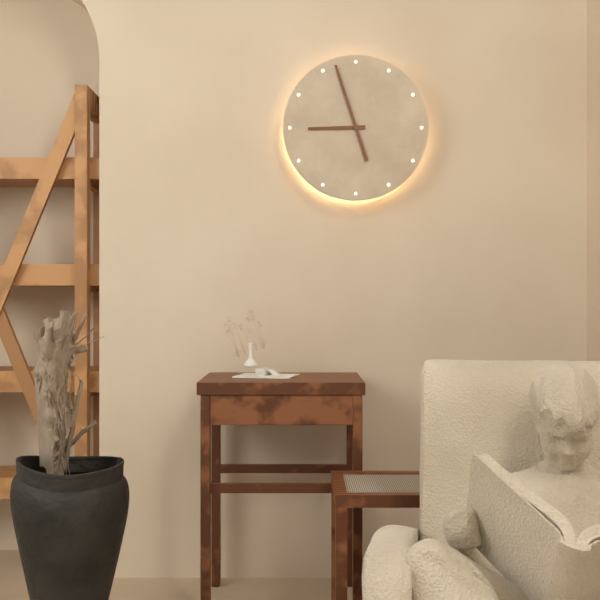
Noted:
8:57
